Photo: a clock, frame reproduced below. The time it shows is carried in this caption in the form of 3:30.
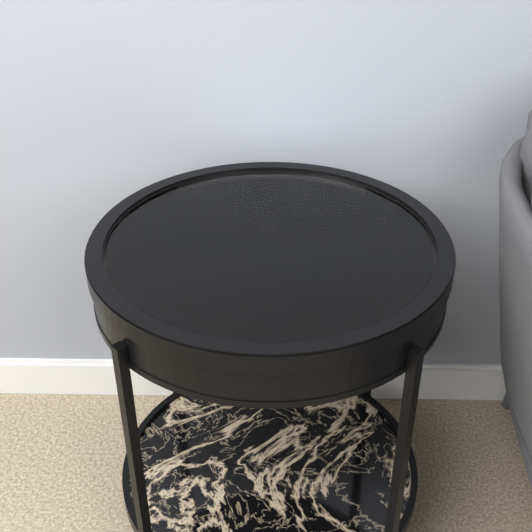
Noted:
3:52
